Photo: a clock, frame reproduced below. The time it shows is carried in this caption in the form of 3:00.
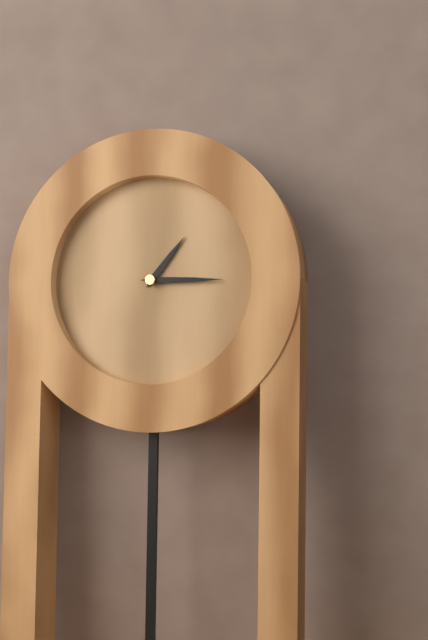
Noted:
1:15
